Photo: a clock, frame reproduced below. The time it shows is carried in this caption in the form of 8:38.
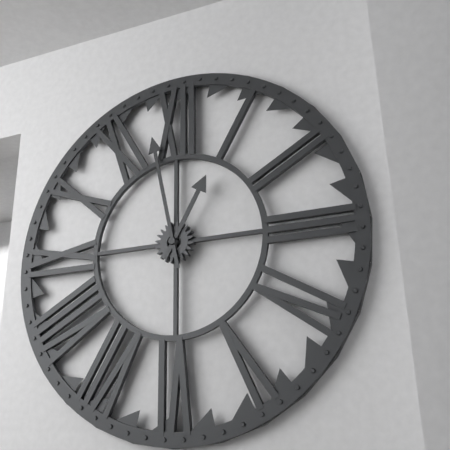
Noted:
12:58
